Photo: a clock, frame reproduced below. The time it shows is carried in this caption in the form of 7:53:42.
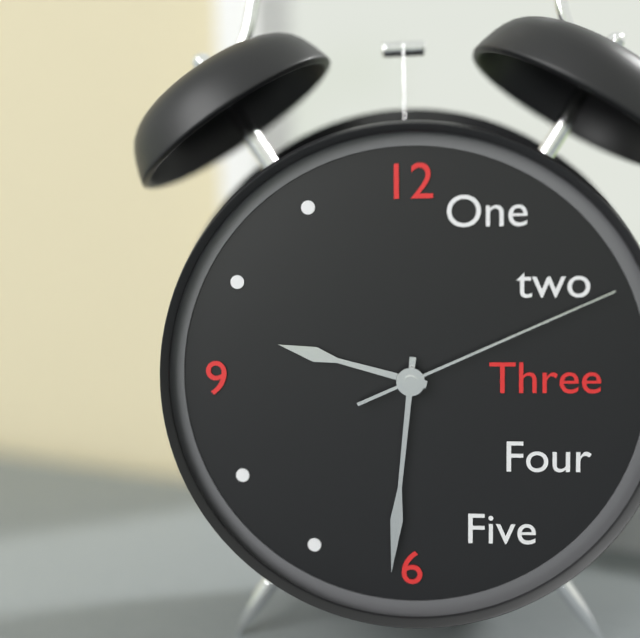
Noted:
9:31:11
